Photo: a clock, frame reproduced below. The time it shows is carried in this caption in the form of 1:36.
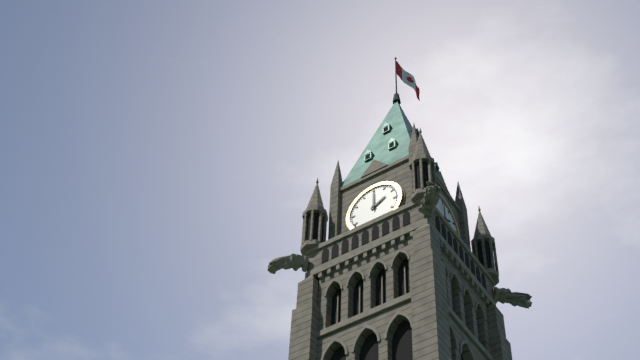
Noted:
2:00
